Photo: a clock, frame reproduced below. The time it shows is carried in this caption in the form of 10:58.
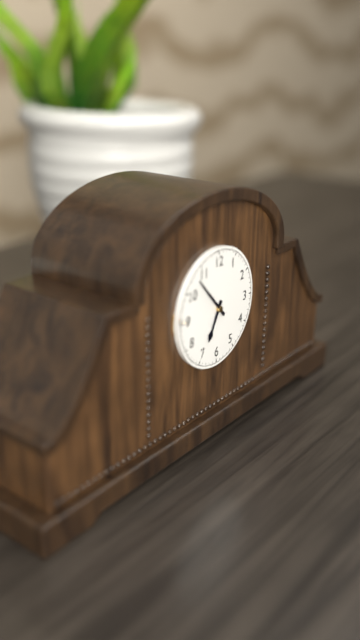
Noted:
6:53
